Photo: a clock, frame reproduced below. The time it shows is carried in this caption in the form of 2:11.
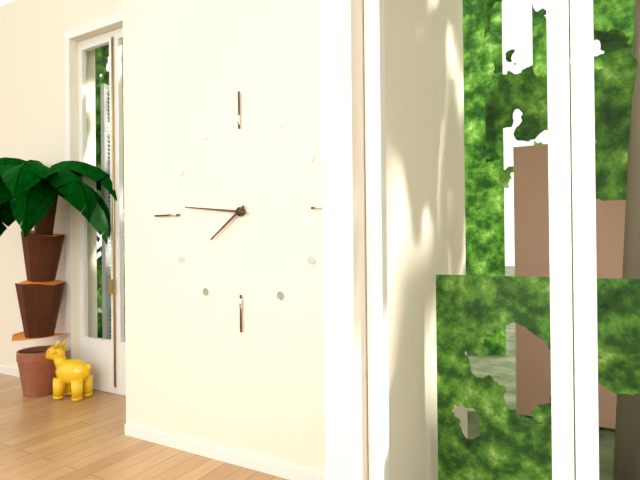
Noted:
7:46
